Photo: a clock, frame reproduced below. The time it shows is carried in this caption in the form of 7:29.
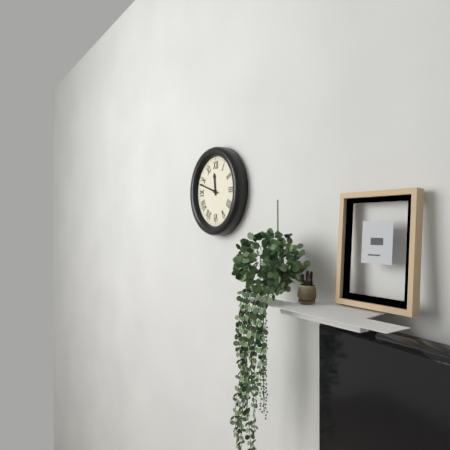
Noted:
11:48
